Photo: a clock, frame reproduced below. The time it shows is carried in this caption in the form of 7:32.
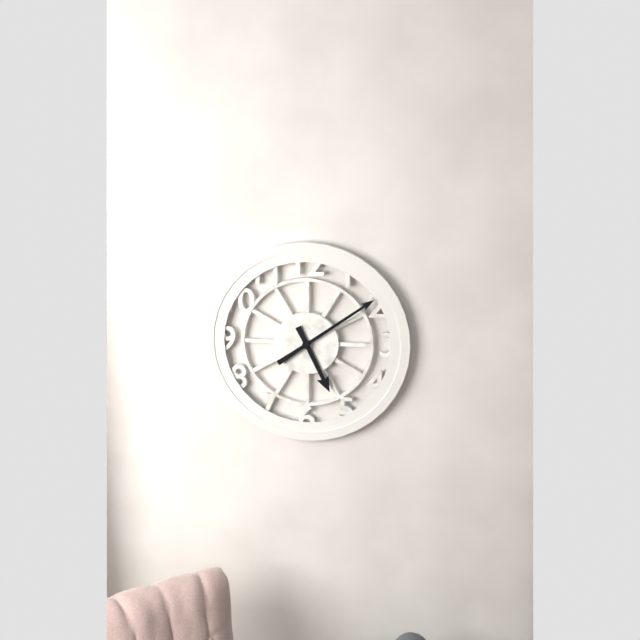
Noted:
5:09
